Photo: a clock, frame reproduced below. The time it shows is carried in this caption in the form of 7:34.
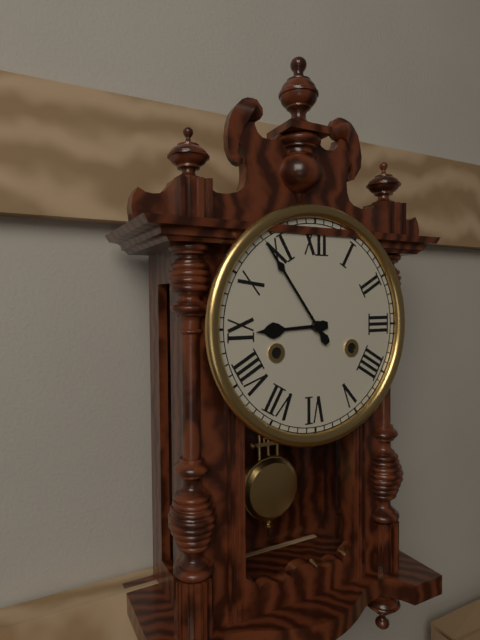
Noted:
8:54
